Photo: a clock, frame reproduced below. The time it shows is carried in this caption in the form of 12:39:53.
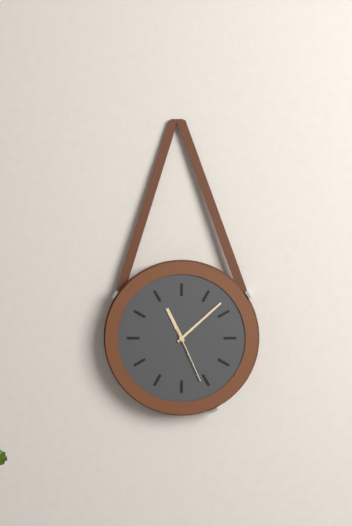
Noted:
11:08:26
